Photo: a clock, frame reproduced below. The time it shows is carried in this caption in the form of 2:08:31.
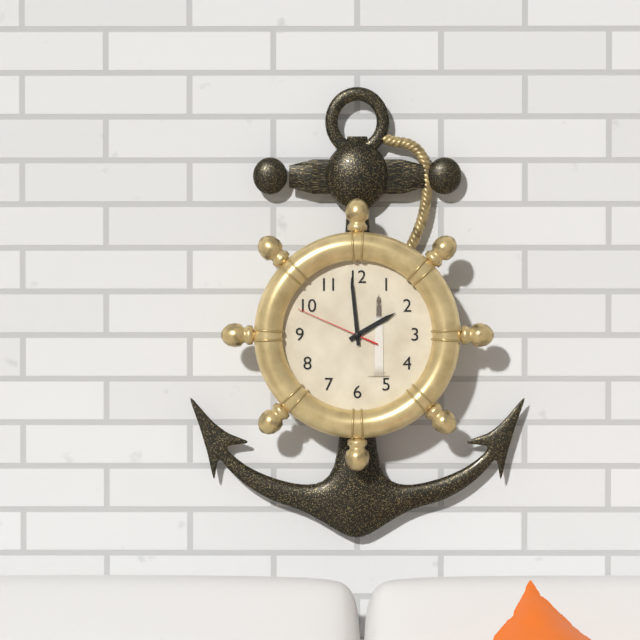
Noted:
1:59:49
